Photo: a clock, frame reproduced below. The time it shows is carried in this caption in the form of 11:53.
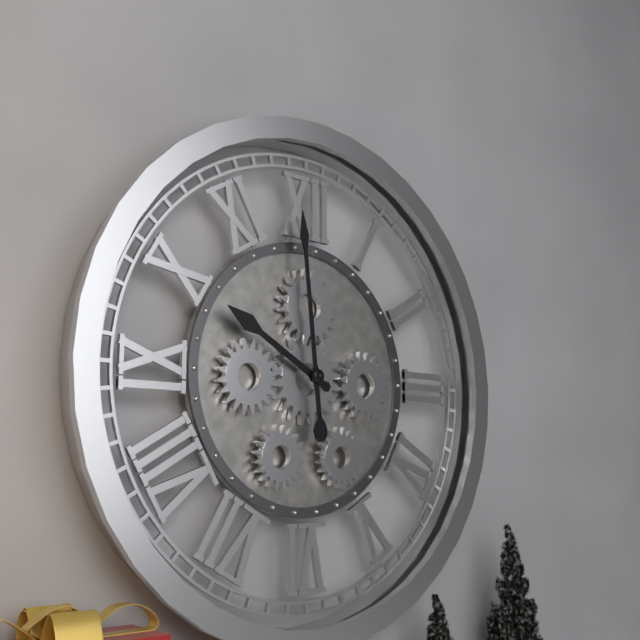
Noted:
9:59
